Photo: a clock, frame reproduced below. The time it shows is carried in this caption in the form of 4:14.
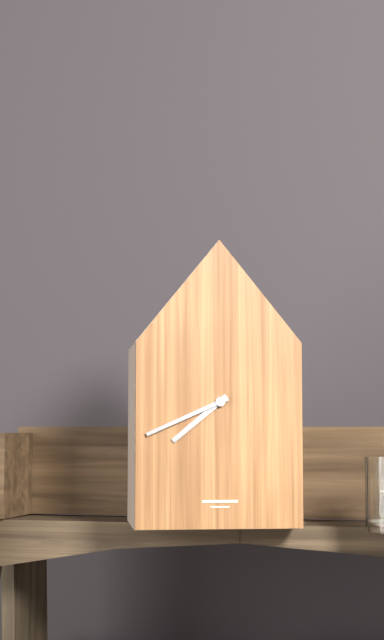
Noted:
7:41
